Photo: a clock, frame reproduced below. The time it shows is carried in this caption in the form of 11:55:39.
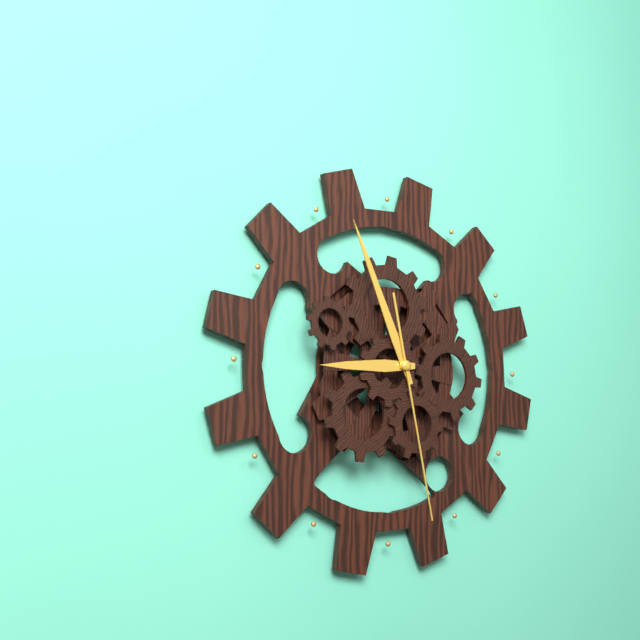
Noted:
8:56:28
